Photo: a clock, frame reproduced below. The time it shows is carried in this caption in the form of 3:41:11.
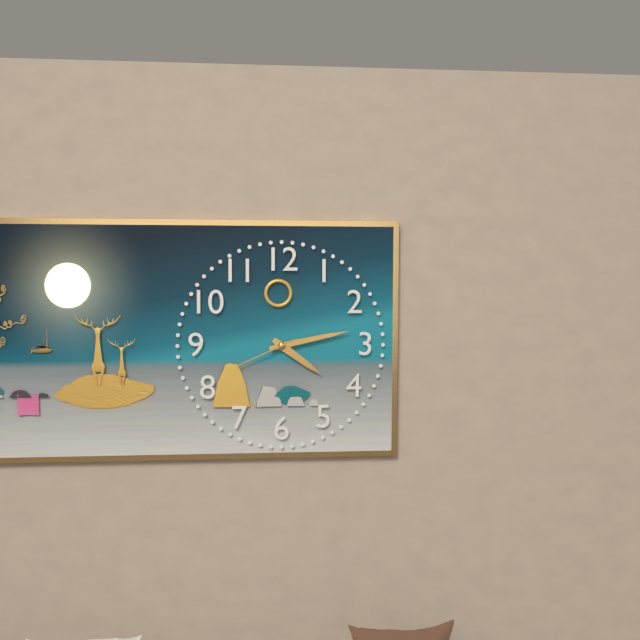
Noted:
4:13:41
